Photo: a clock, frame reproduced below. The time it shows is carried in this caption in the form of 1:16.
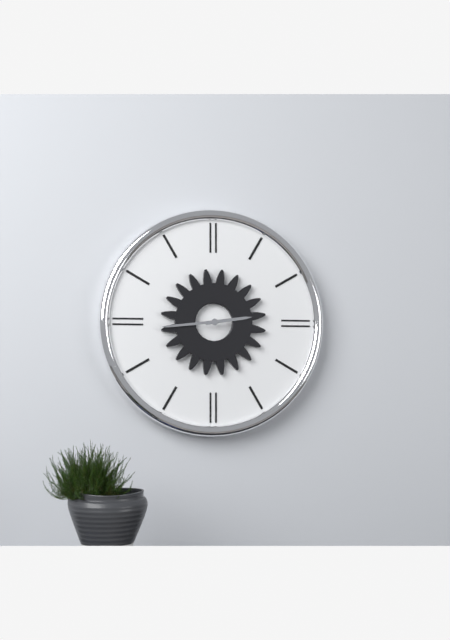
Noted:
2:44
